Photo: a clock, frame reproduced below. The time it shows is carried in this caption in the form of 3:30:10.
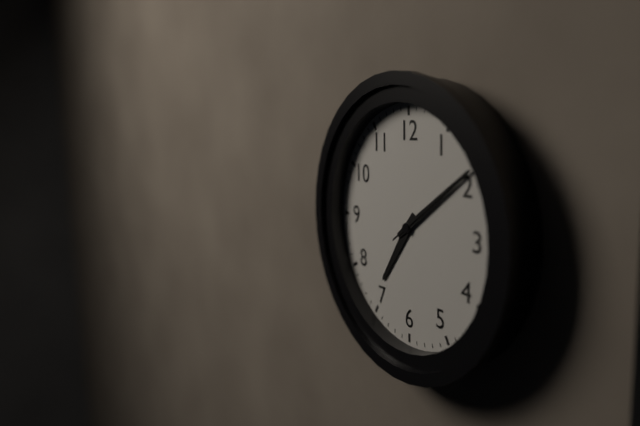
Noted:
7:09:09
